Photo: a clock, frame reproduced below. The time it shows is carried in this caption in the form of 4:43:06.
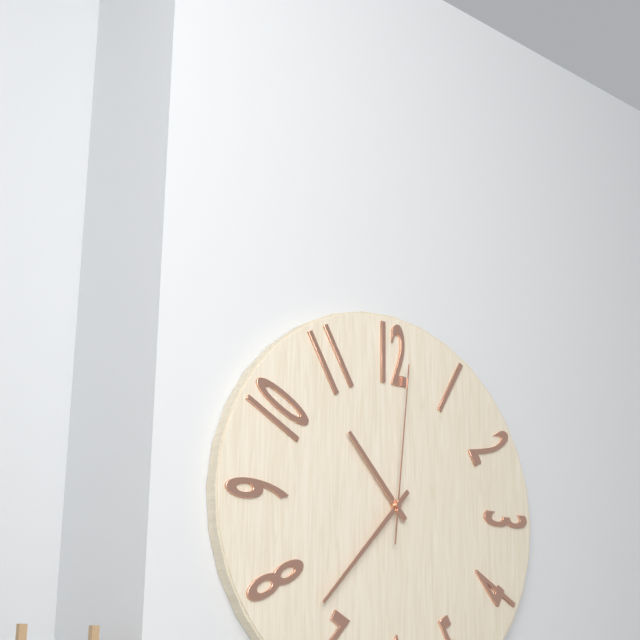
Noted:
10:37:01
